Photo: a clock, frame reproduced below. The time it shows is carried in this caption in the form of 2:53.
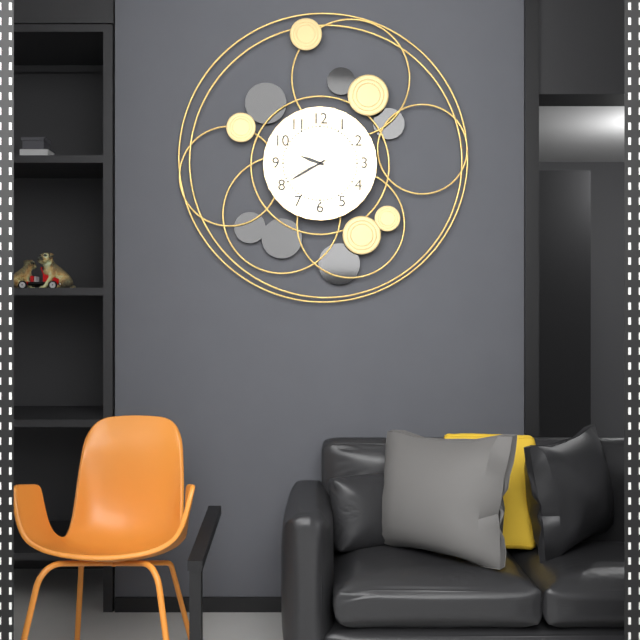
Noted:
9:40
